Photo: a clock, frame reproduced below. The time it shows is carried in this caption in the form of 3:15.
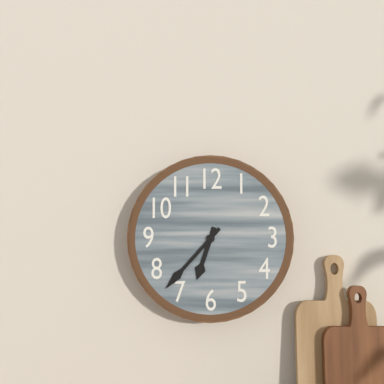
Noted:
6:37
